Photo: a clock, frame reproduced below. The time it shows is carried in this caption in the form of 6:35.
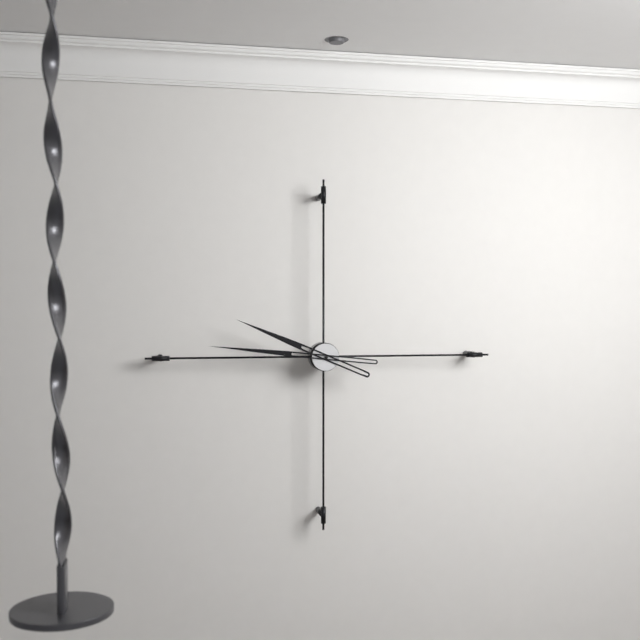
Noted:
9:46
